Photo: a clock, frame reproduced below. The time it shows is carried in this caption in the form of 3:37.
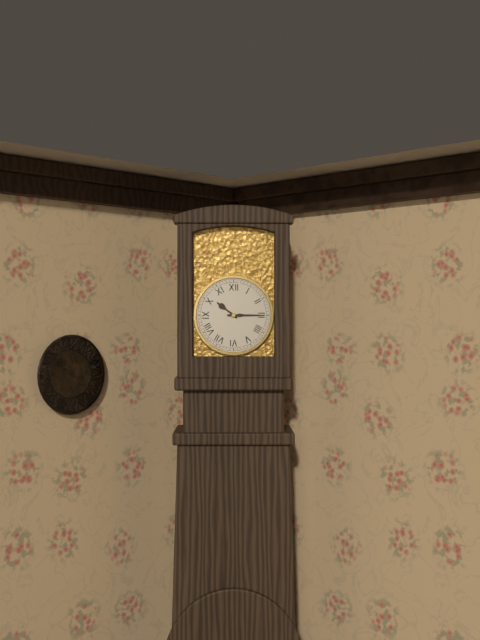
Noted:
10:15
